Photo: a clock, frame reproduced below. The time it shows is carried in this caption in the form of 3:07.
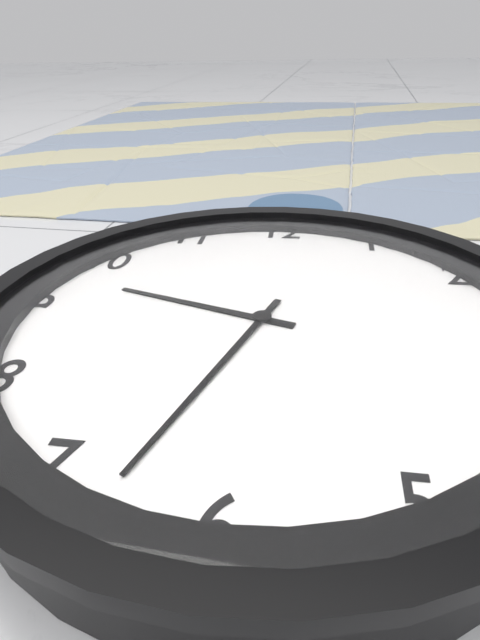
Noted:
9:33
